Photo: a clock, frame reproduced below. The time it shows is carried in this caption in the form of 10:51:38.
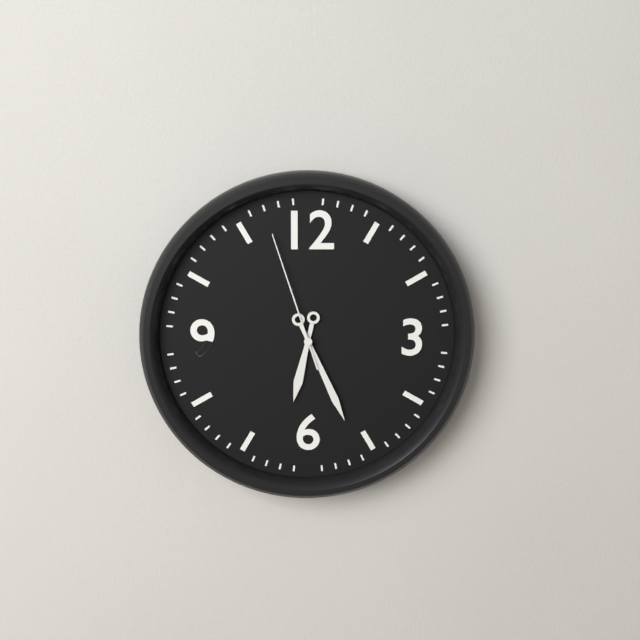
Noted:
6:26:57
